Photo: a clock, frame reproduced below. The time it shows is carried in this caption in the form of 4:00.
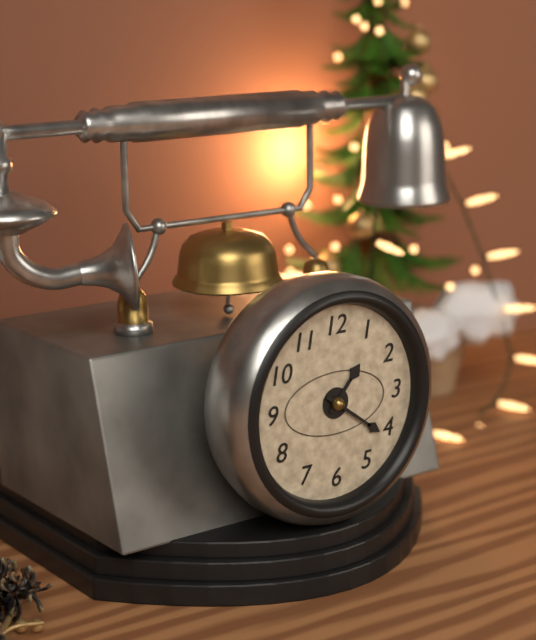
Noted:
1:21
